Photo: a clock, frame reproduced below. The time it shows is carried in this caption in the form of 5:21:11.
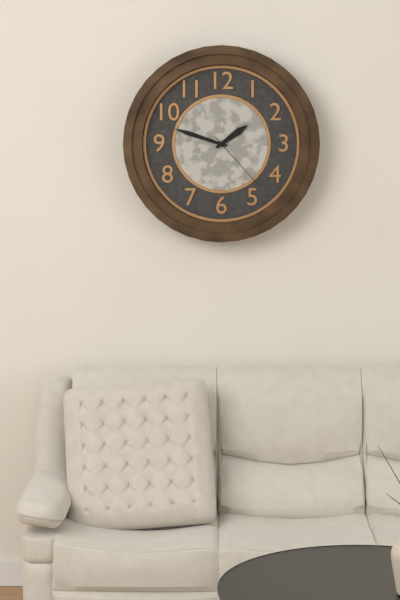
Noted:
1:48:23
